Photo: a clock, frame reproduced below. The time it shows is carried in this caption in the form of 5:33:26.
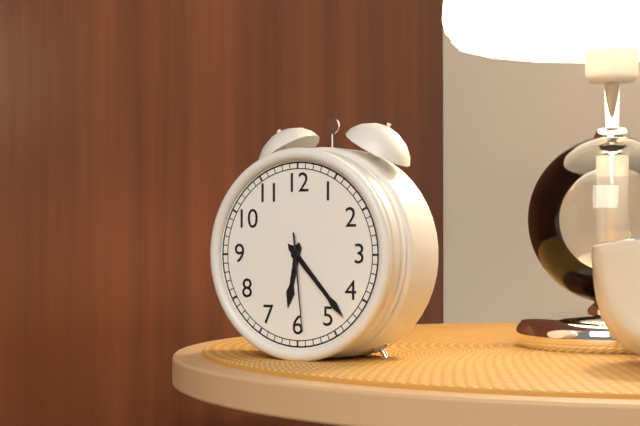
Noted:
6:23:29
